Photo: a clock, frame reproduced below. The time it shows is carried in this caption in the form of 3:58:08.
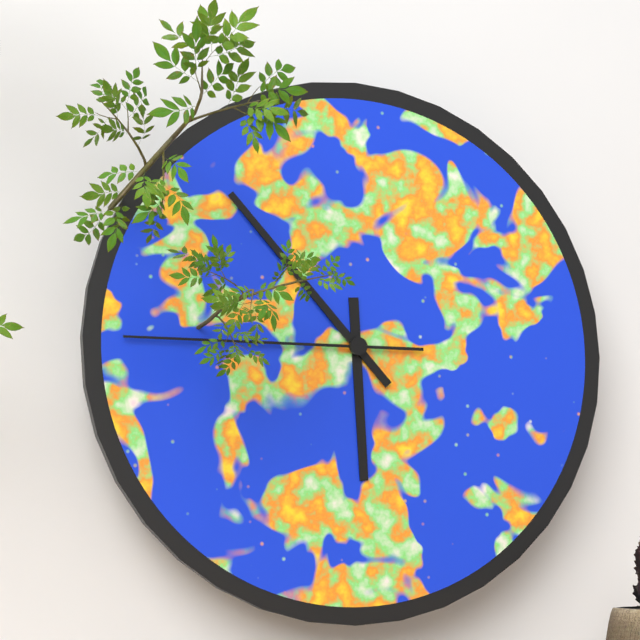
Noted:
5:53:45
